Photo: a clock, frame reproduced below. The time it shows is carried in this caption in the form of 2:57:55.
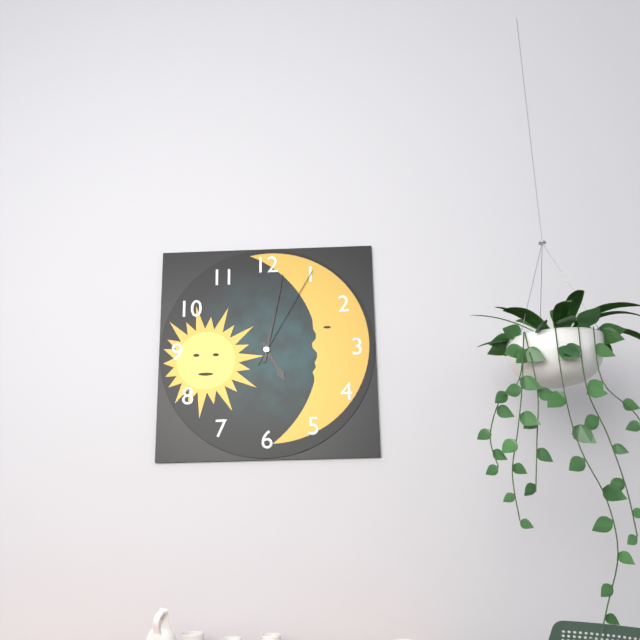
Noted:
5:02:05
